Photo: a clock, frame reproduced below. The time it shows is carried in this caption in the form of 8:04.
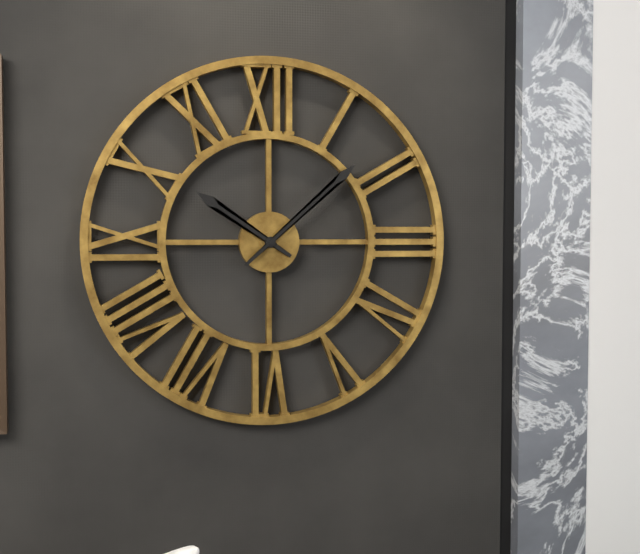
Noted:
10:08
